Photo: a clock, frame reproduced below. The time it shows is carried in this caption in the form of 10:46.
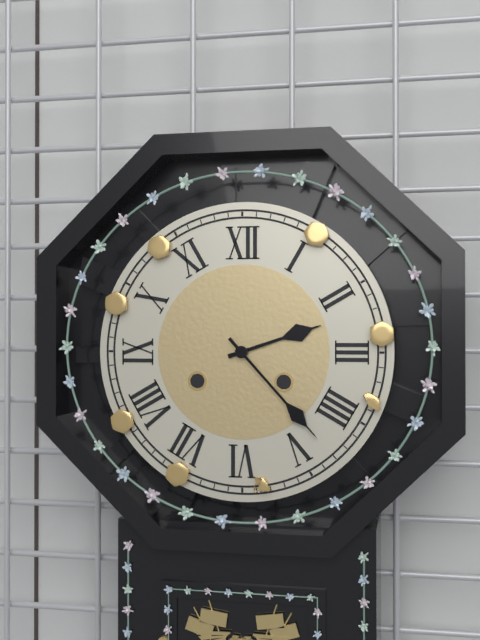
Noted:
2:23
